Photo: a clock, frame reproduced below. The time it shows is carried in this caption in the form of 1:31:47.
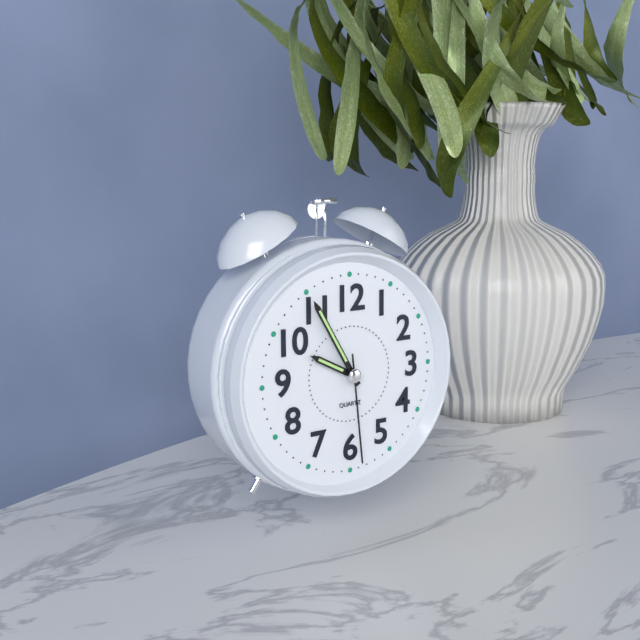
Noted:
9:55:29
